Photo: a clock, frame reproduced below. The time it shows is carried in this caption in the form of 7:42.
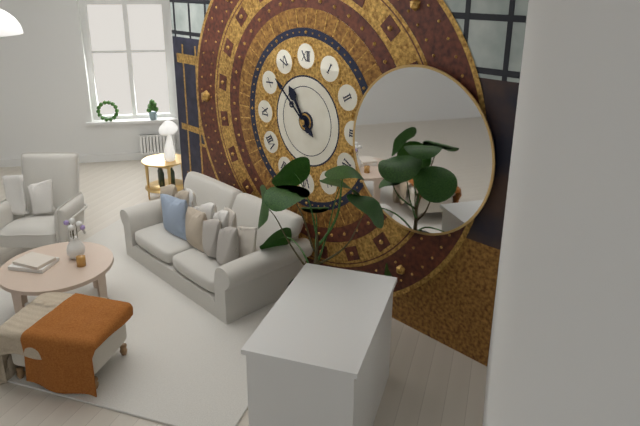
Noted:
10:52
